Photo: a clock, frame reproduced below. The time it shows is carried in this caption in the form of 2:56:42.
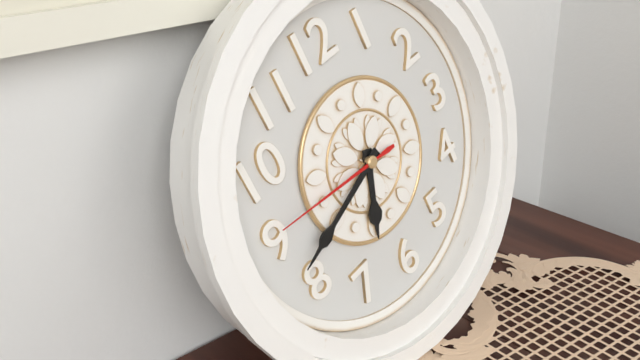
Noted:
6:42:46
